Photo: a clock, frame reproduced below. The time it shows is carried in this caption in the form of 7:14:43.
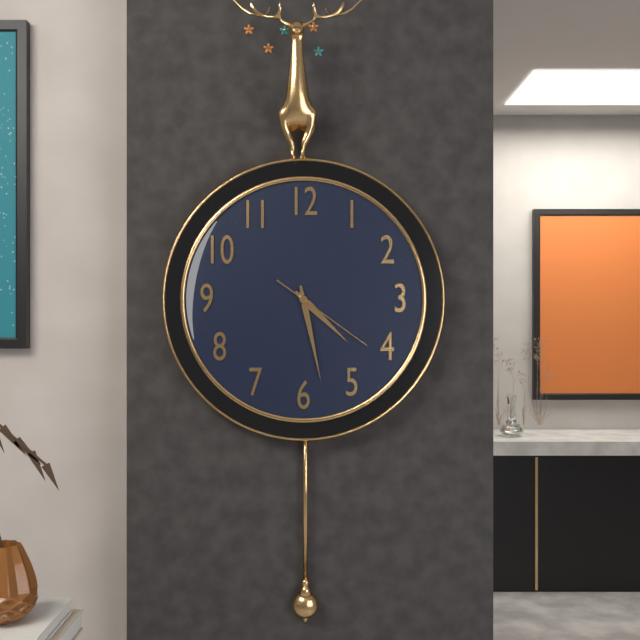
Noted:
4:28:21
